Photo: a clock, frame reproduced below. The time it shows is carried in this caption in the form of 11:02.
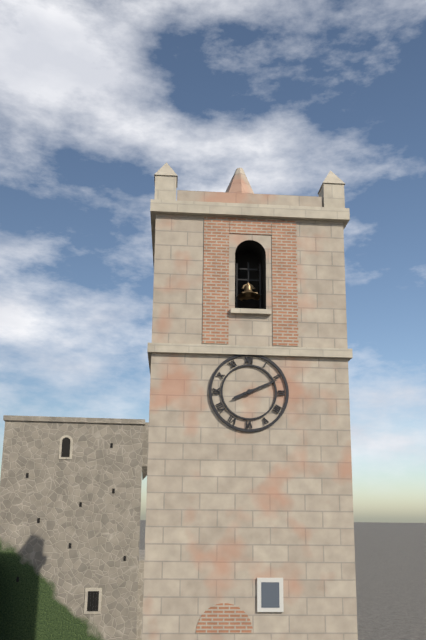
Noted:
8:11
